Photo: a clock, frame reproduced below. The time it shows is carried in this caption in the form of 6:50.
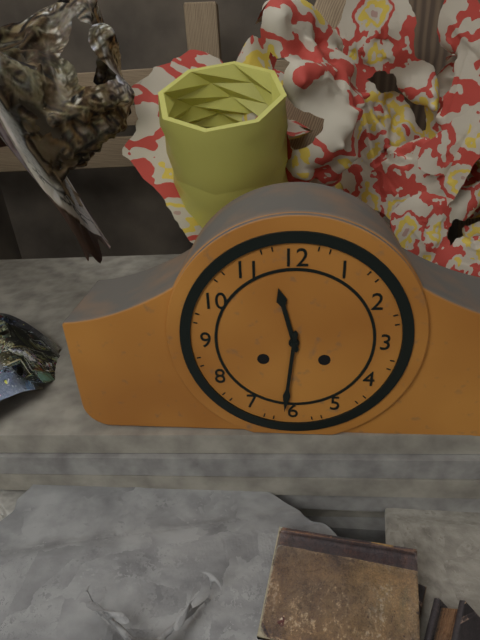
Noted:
11:31
